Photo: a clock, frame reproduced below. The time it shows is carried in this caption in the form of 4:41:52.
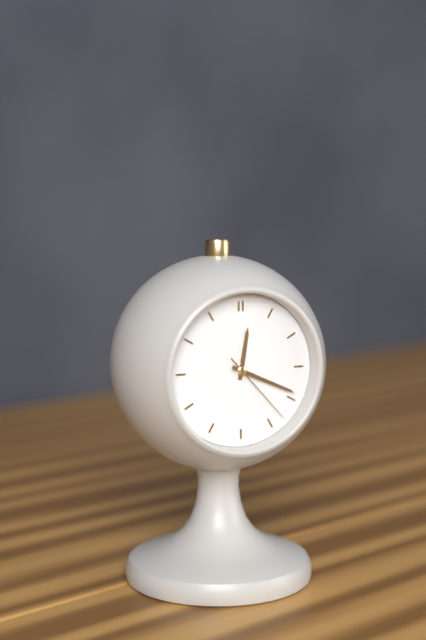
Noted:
12:19:23
